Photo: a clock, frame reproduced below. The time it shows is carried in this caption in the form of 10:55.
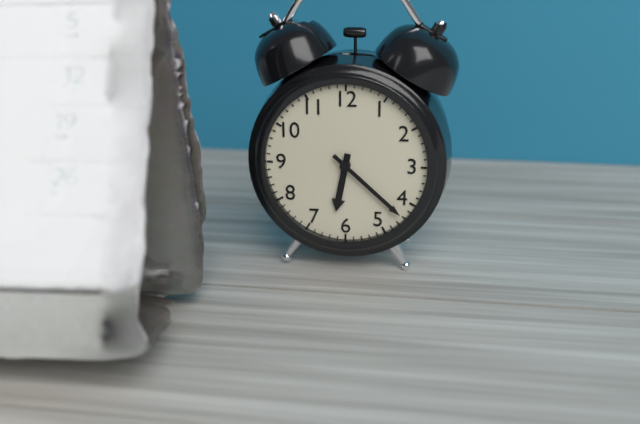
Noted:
6:22
